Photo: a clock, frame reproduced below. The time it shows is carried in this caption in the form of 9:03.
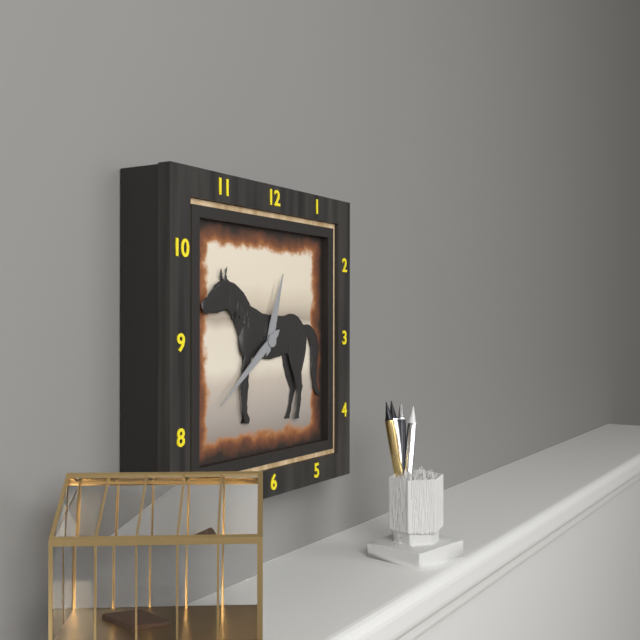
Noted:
12:39
